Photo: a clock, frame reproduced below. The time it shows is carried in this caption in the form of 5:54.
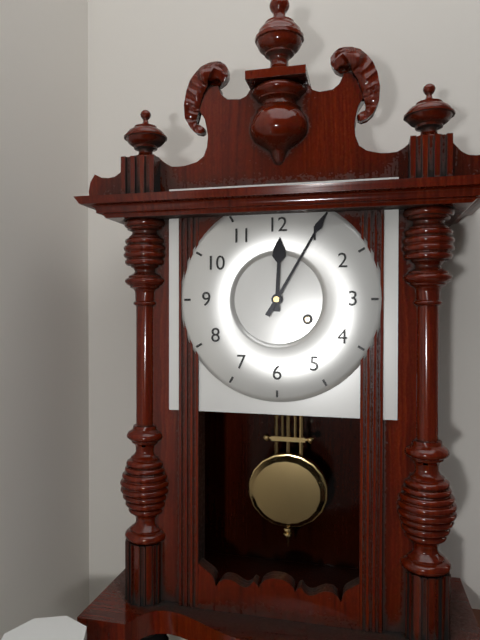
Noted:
12:05
